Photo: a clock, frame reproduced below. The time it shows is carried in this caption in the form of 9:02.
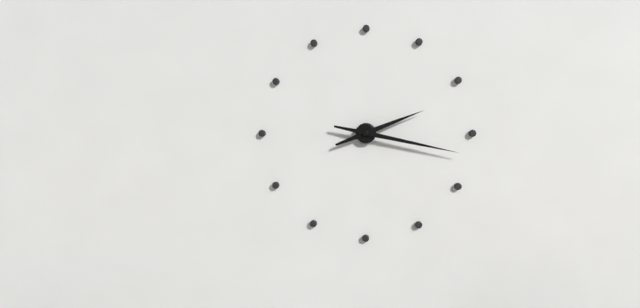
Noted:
2:17
